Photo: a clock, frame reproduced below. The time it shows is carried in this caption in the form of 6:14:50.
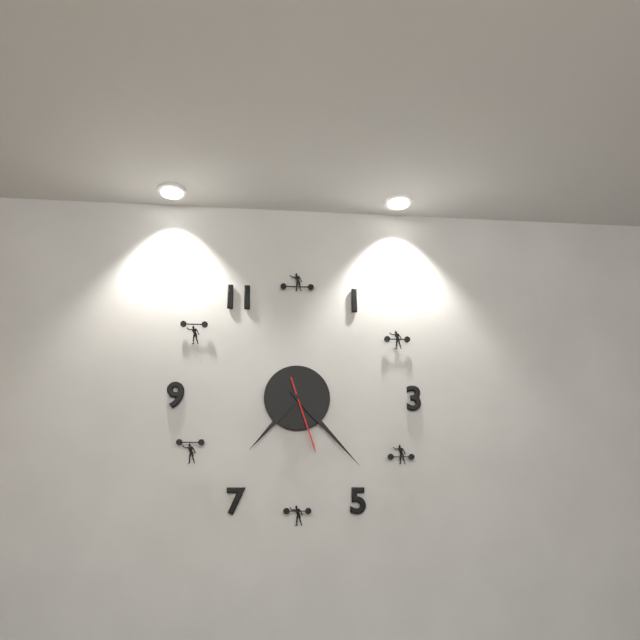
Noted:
7:23:27
